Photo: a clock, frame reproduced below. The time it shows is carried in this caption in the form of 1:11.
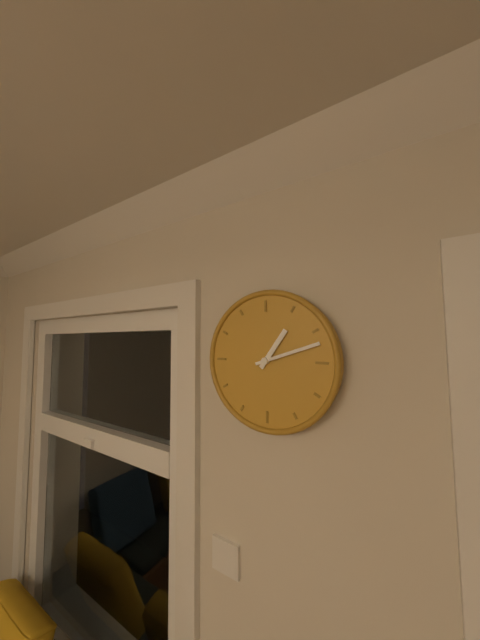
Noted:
1:12
